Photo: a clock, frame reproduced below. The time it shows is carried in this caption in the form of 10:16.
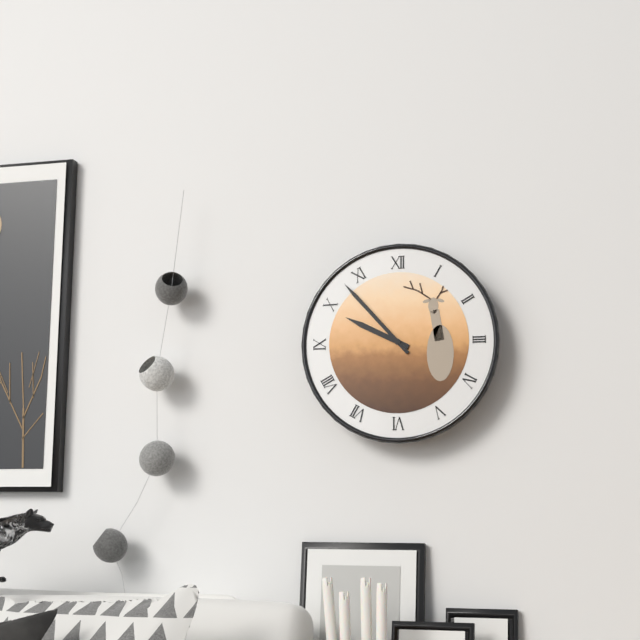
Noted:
9:53
